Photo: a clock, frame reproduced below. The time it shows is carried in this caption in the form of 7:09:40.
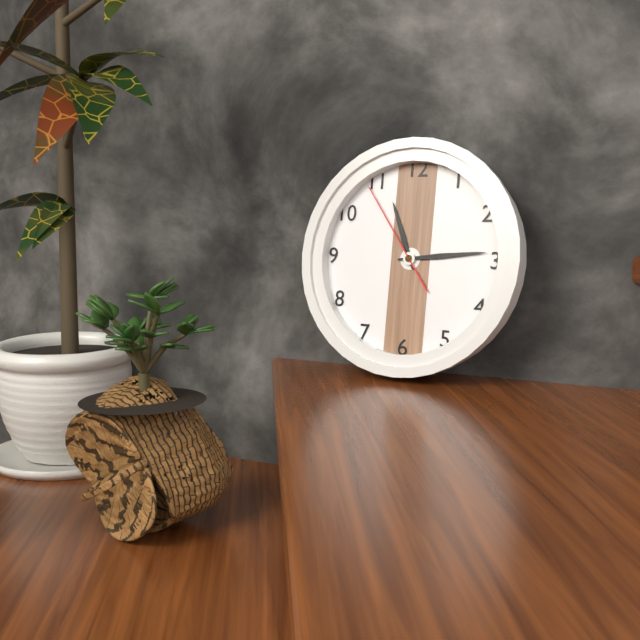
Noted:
11:14:54
